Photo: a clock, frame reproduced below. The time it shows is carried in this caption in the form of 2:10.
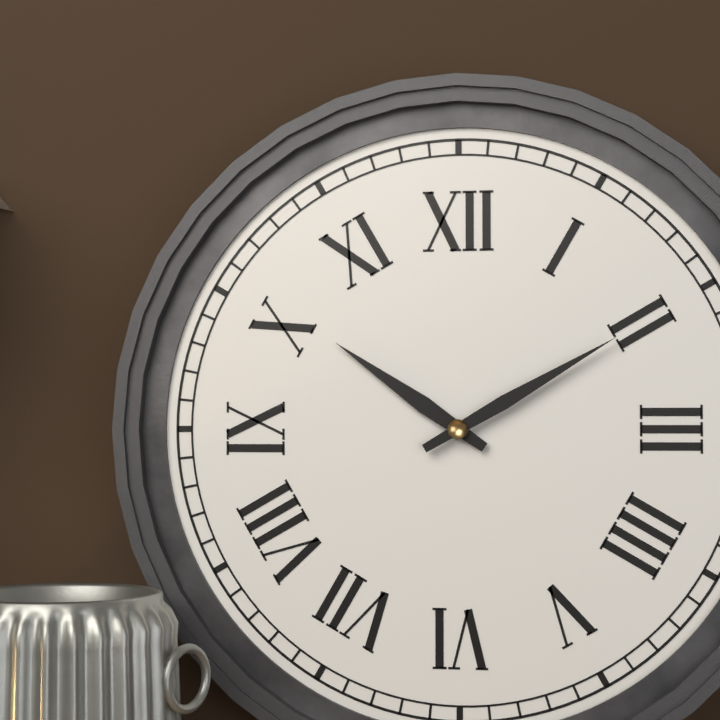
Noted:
10:10
